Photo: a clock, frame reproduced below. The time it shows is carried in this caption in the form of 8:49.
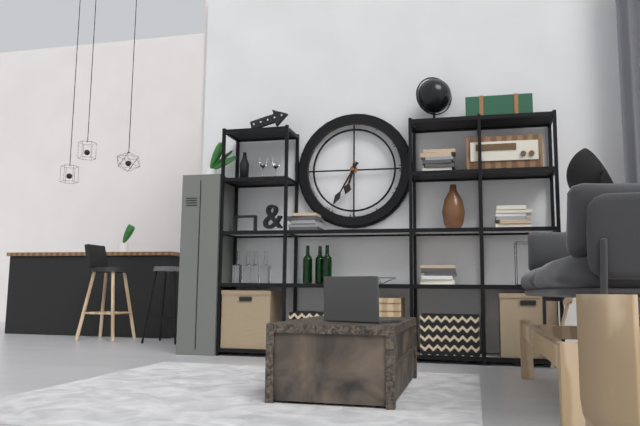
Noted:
6:35
